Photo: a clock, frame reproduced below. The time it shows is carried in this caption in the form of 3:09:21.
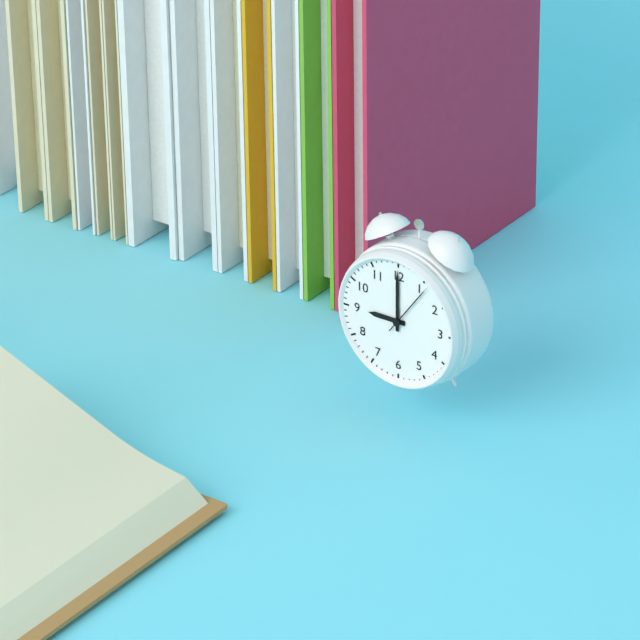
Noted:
9:00:06
